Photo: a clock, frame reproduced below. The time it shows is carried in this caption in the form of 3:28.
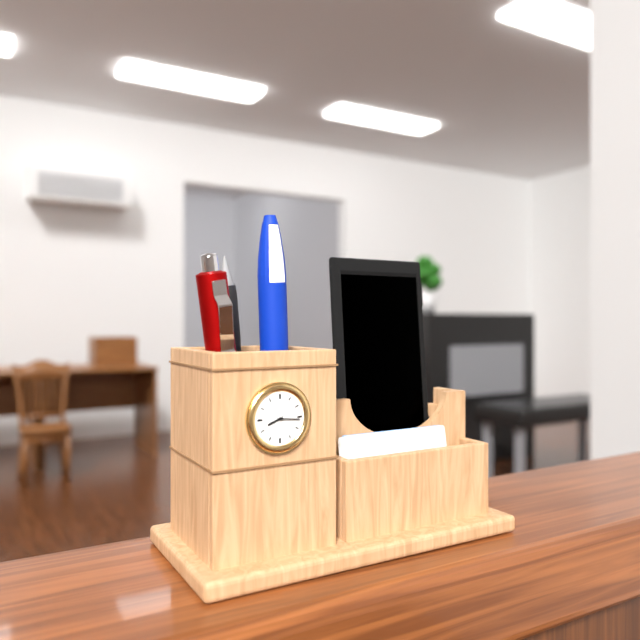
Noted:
8:16
